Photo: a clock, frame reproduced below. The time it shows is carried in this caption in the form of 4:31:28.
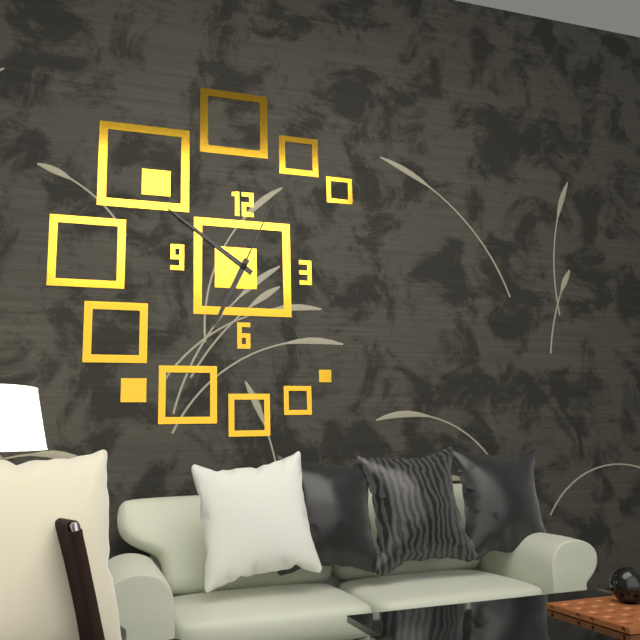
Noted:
6:51:04
